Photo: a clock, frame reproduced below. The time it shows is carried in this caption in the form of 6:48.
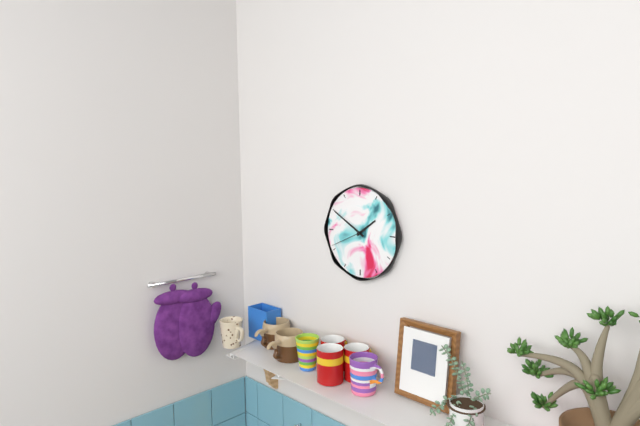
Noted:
1:50
